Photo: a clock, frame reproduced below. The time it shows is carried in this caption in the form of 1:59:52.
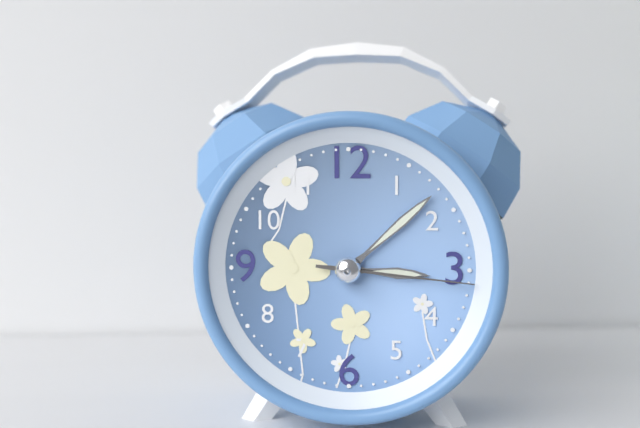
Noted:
3:08:16
